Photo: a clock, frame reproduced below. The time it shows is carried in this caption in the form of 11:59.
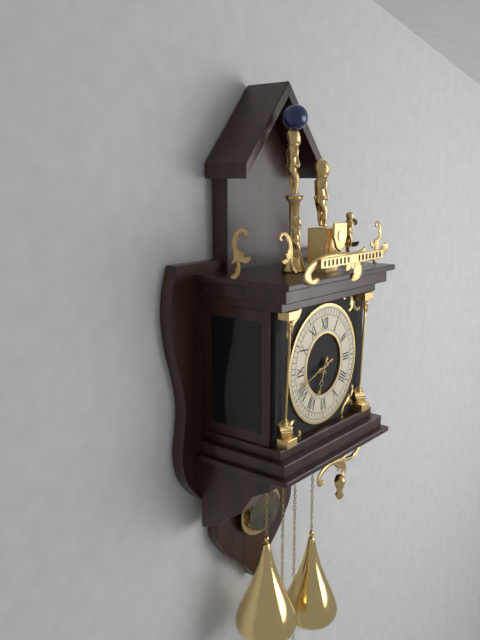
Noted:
6:42
